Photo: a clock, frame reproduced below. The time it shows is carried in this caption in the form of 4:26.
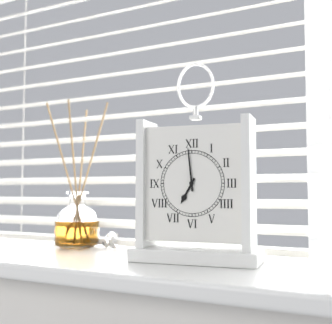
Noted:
6:59
